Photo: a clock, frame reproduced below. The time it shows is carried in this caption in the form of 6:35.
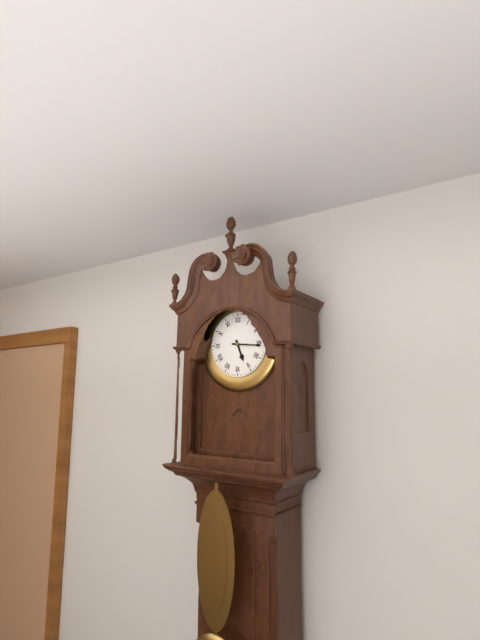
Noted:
5:16
